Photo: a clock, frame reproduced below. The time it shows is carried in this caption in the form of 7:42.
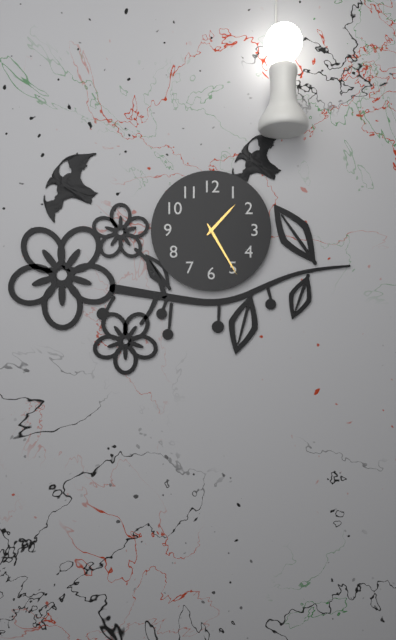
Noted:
1:25
